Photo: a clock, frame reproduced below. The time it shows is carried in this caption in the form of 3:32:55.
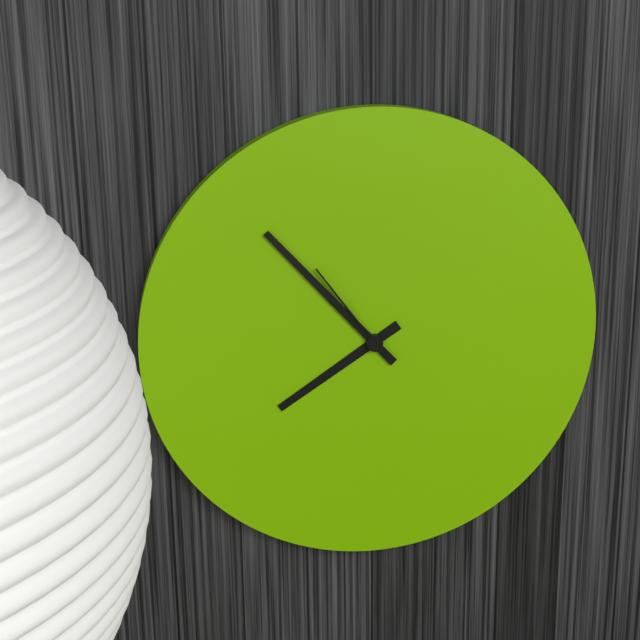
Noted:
7:53:54
